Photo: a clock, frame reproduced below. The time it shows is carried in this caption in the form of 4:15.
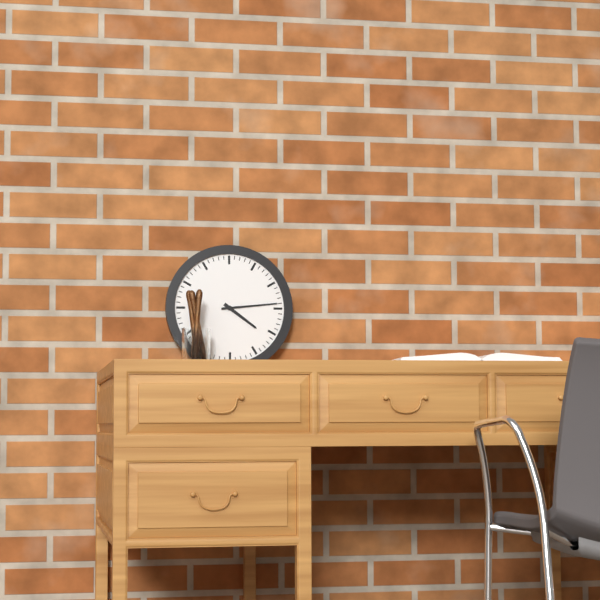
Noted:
4:14
